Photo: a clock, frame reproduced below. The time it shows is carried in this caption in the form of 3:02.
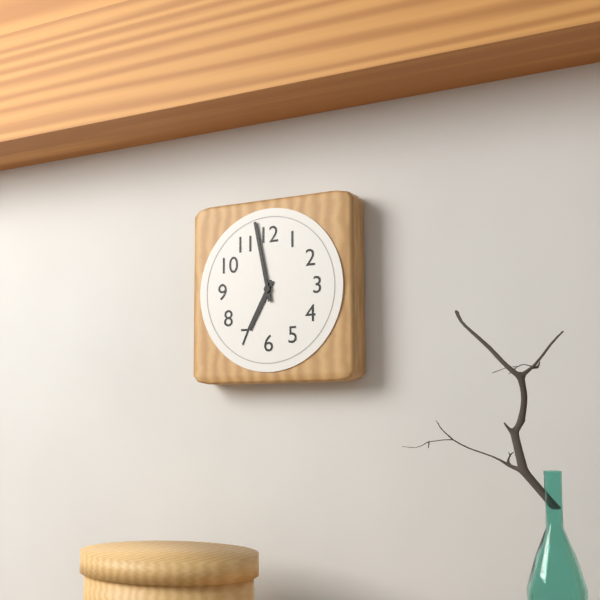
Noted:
6:58
